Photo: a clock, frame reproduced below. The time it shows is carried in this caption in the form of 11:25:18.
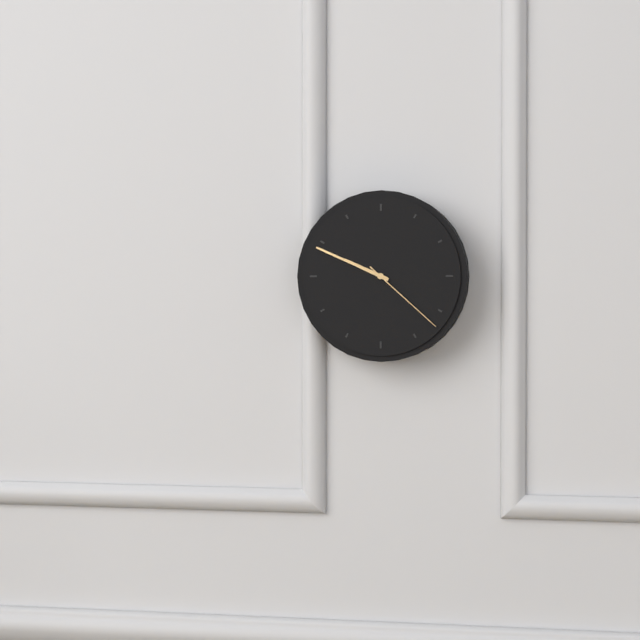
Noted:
9:49:22
